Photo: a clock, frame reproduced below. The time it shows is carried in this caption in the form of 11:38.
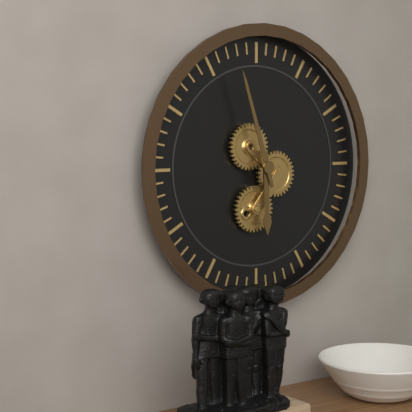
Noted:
5:57
